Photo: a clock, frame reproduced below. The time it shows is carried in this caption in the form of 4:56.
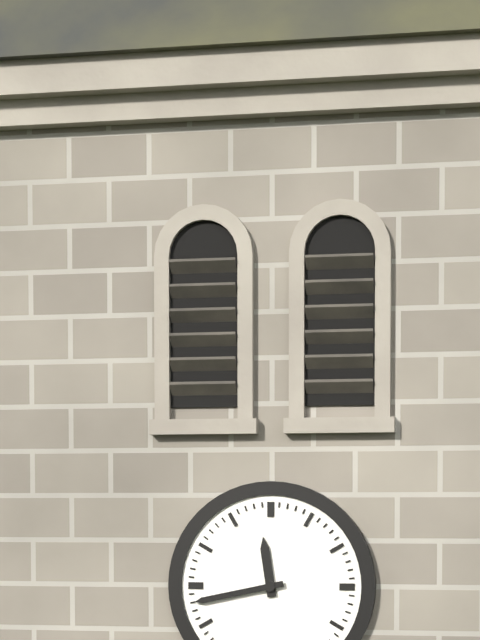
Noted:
11:43
